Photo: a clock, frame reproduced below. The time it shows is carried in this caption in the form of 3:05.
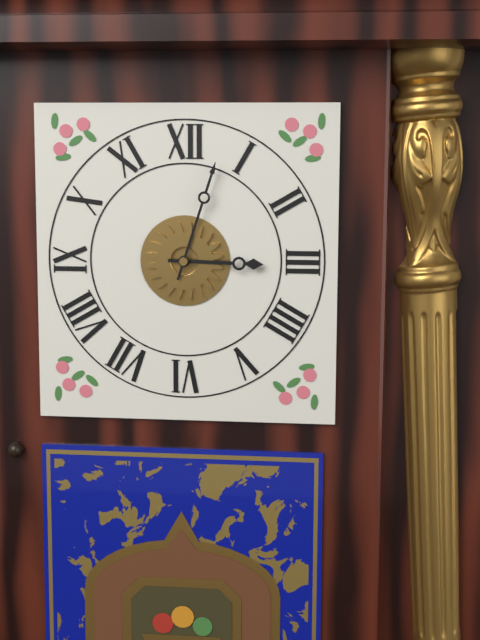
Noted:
3:03
